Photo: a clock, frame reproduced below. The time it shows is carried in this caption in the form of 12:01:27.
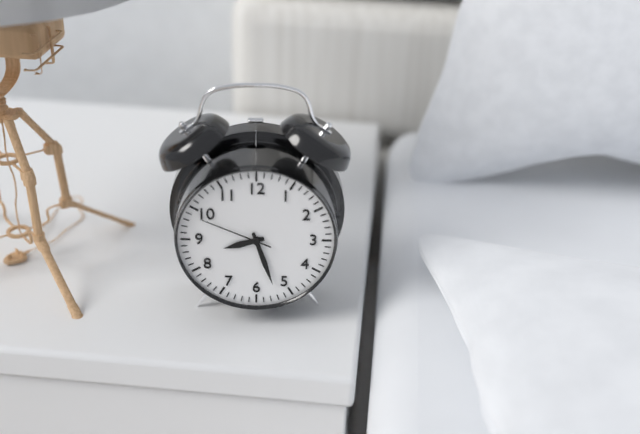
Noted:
8:27:49
